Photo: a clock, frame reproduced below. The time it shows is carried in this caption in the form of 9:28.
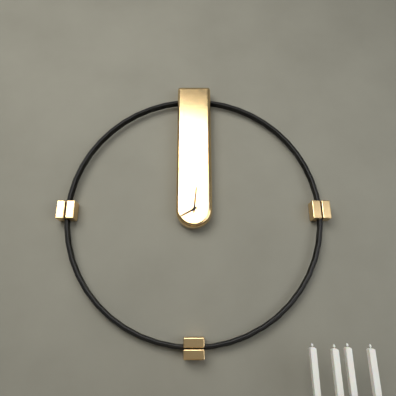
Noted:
8:01
